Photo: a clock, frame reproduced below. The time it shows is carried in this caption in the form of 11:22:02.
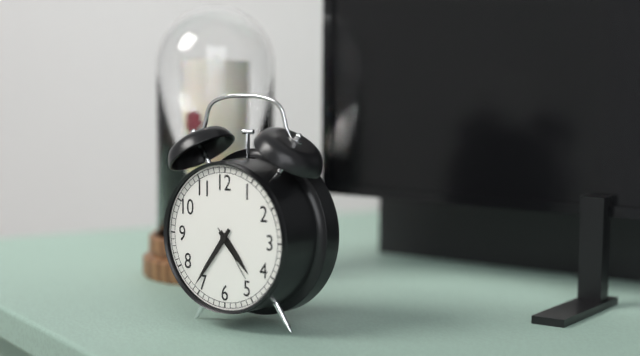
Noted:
4:36:24
